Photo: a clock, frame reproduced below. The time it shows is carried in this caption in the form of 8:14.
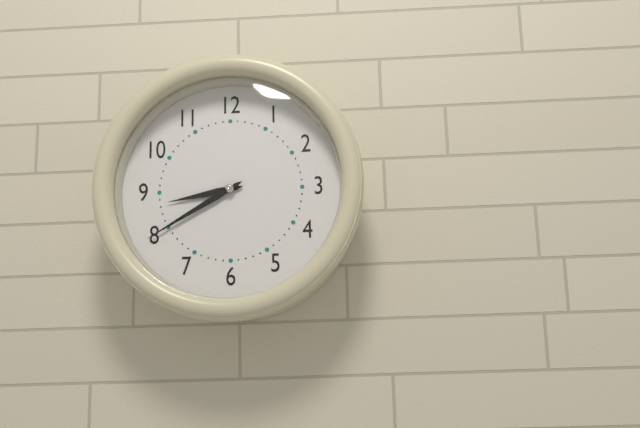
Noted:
8:40
